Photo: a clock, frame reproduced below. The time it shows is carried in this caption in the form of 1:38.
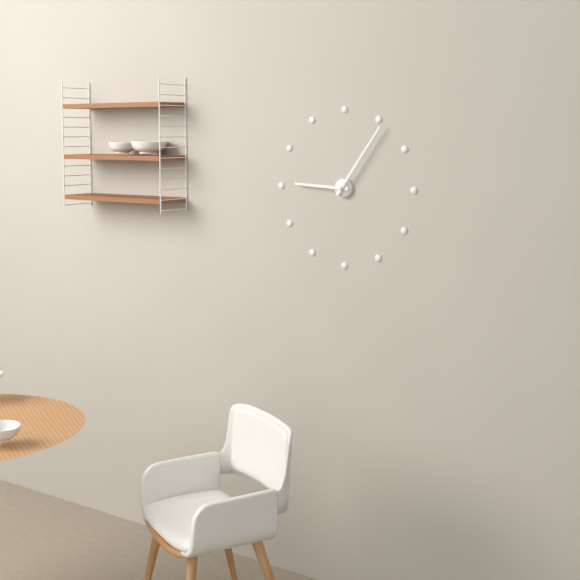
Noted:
9:06
